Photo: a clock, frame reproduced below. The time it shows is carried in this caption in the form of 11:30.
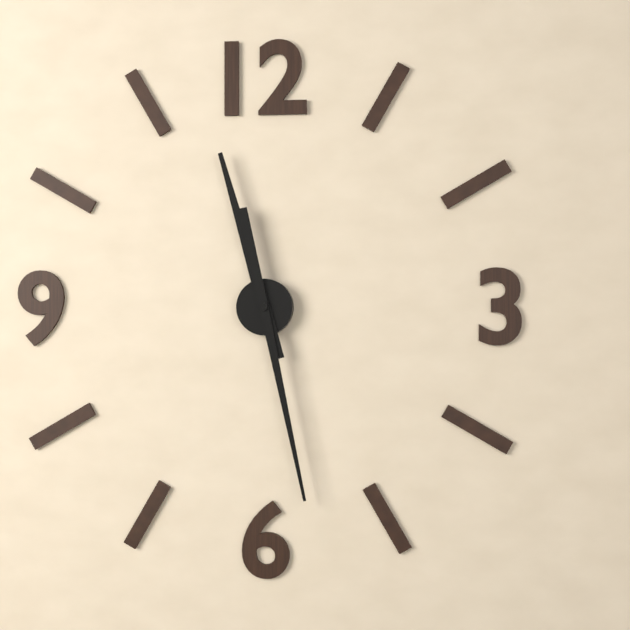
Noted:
11:28
